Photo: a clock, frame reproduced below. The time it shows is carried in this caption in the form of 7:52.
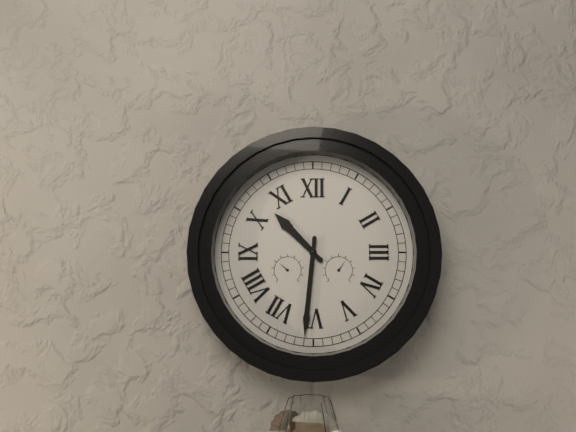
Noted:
10:31
